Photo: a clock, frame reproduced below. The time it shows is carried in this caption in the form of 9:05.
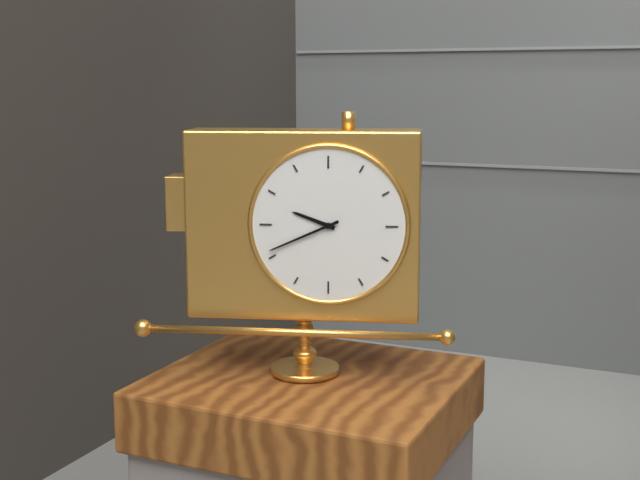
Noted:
9:41
